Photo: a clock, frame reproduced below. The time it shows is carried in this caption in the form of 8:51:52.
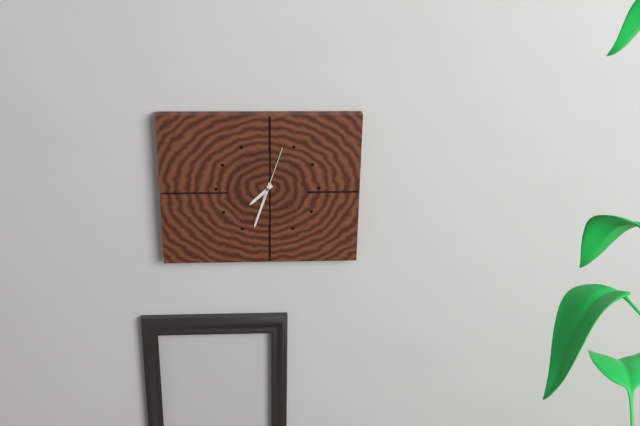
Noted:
7:33:03
